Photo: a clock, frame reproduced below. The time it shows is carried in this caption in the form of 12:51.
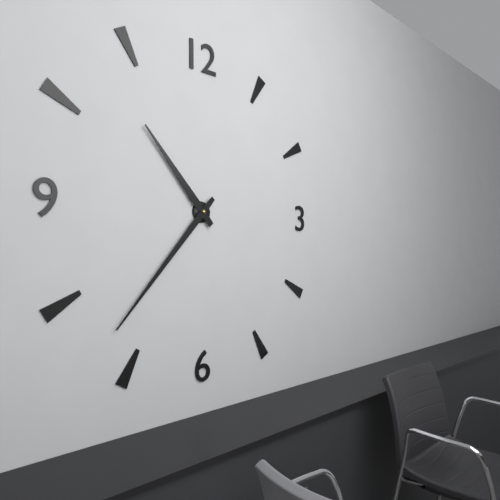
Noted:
10:37
